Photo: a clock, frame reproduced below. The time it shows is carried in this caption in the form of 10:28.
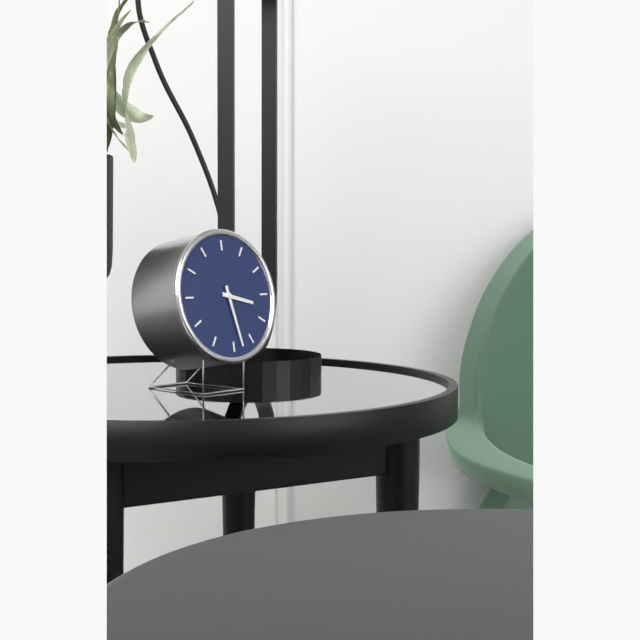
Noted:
3:28
